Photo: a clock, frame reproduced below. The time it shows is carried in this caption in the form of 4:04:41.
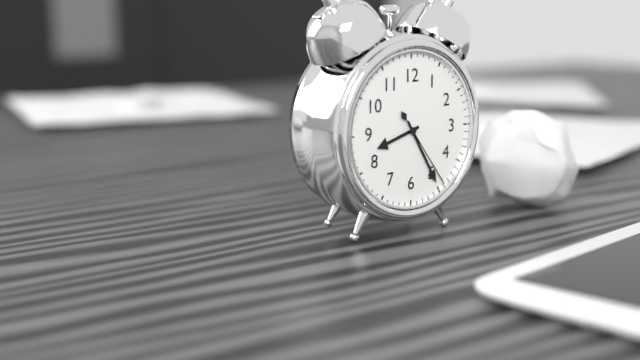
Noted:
8:25:24
